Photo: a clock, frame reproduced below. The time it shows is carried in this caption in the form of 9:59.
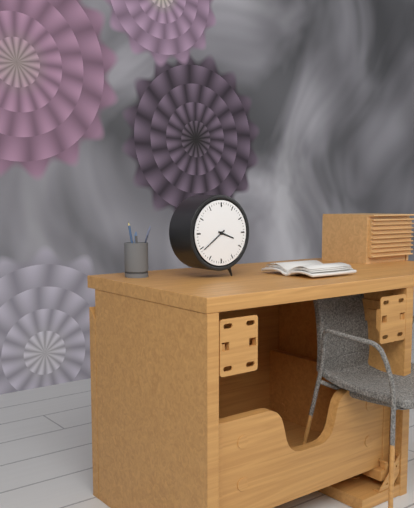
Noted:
3:39
